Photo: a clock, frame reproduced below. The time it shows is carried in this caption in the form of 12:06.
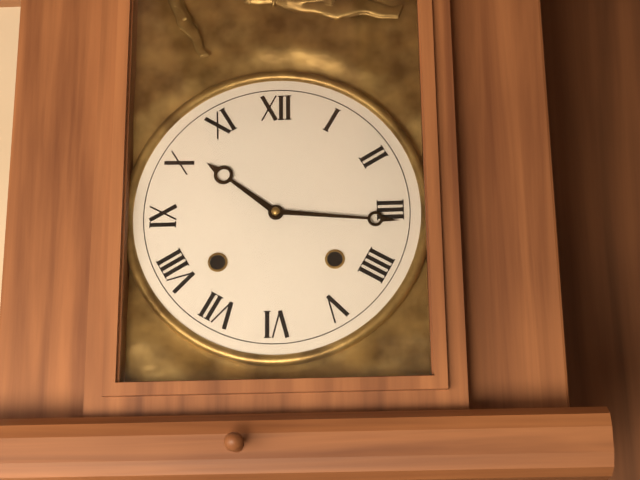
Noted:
10:16
